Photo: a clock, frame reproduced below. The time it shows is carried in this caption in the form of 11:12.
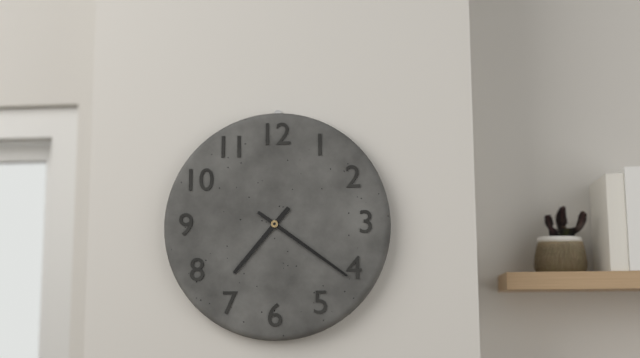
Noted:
7:21
